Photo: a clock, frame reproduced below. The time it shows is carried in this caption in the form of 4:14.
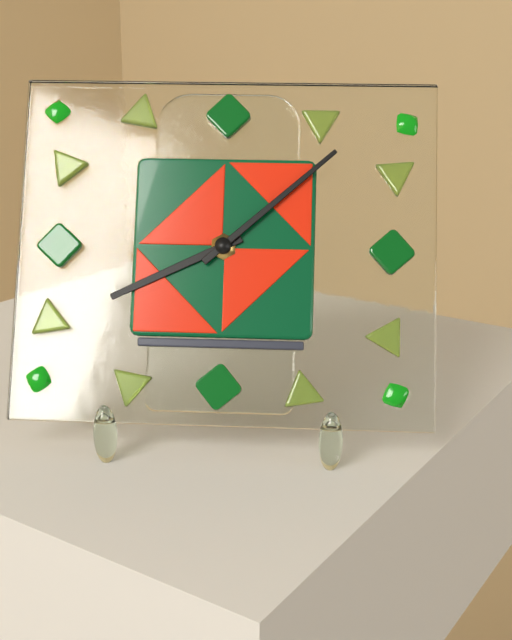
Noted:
8:08
